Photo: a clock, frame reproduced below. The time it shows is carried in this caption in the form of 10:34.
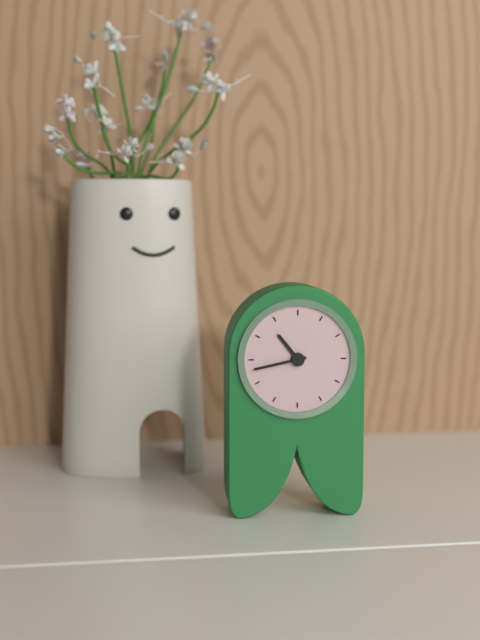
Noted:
10:43
